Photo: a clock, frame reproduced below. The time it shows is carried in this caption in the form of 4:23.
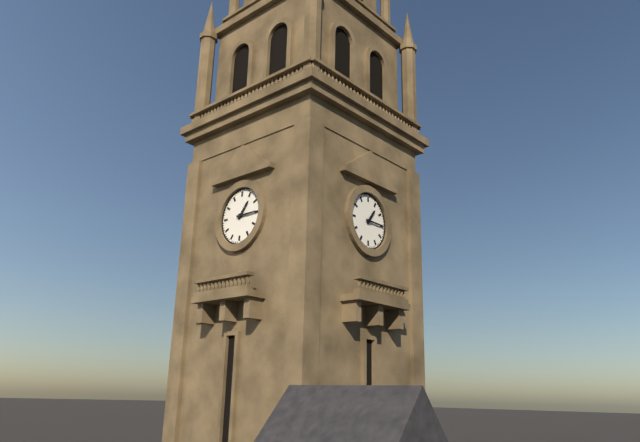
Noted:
1:15
